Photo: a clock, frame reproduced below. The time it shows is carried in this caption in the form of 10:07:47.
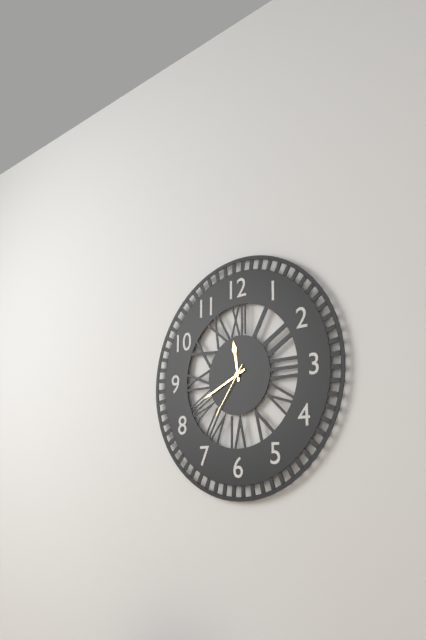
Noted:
11:41:36
